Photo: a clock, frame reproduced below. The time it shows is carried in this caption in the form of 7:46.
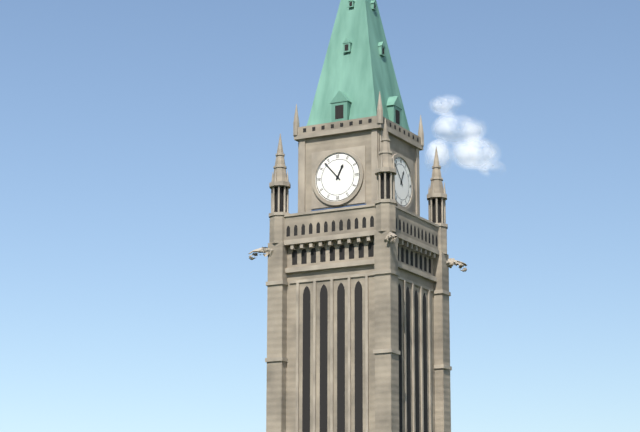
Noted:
12:53
